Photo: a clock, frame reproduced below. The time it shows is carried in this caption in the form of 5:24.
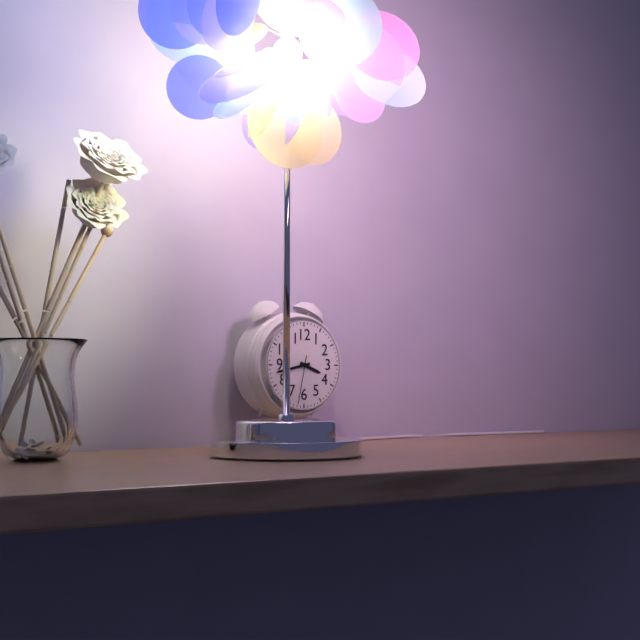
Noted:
3:43
